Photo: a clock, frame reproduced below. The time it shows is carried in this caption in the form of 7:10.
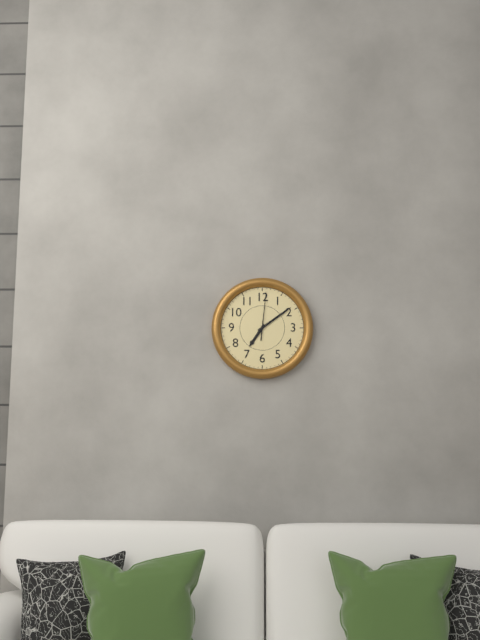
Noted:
7:09
